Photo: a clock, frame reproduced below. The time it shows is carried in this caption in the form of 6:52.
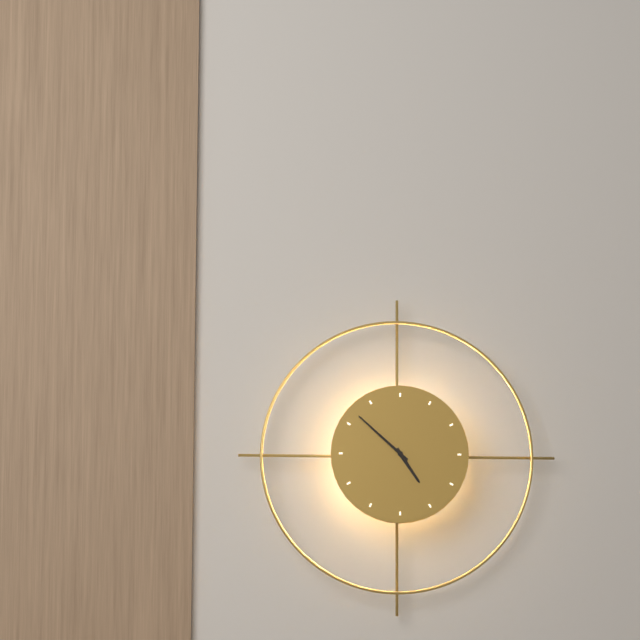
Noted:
4:52
